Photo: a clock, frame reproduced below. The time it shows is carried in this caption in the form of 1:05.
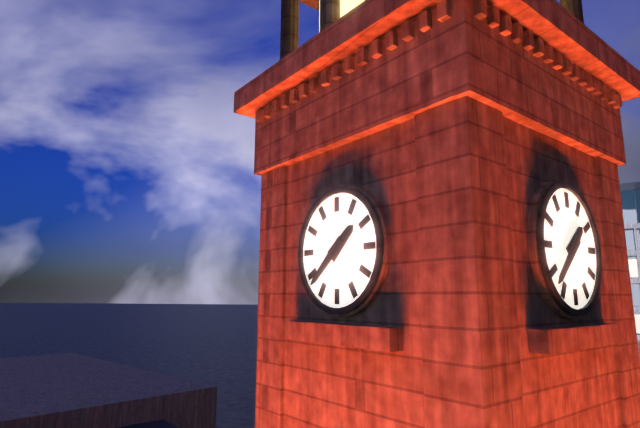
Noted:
1:38
